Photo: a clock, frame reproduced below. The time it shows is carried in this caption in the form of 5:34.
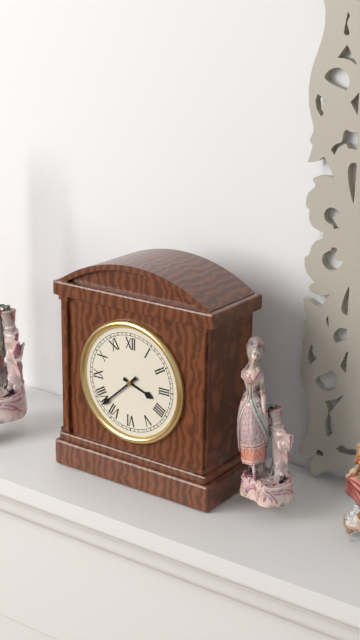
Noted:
3:38
